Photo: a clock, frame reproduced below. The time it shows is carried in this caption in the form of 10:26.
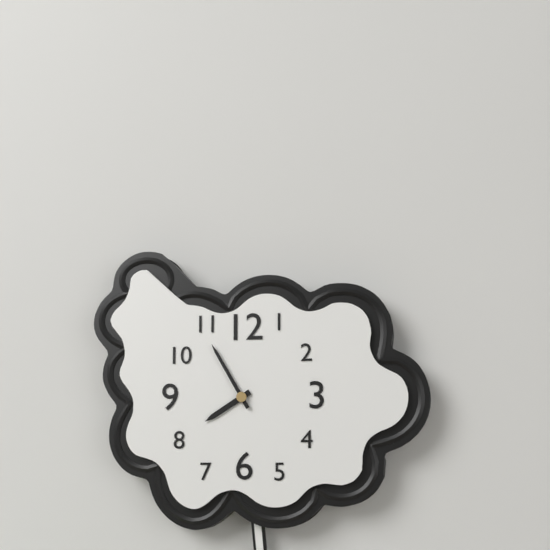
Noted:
7:55
